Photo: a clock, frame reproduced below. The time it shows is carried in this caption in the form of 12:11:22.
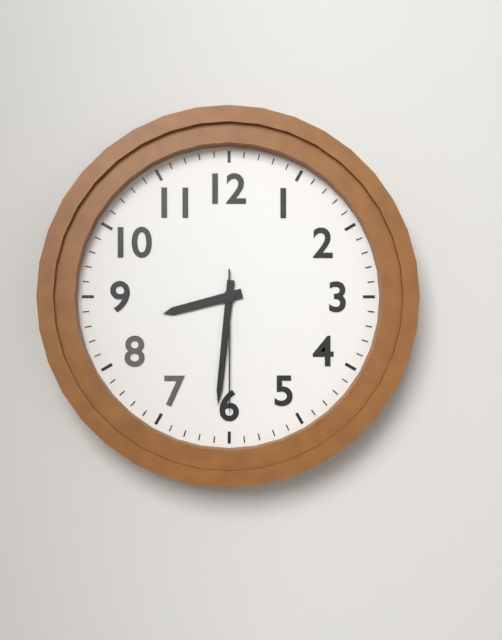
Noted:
8:31:30
